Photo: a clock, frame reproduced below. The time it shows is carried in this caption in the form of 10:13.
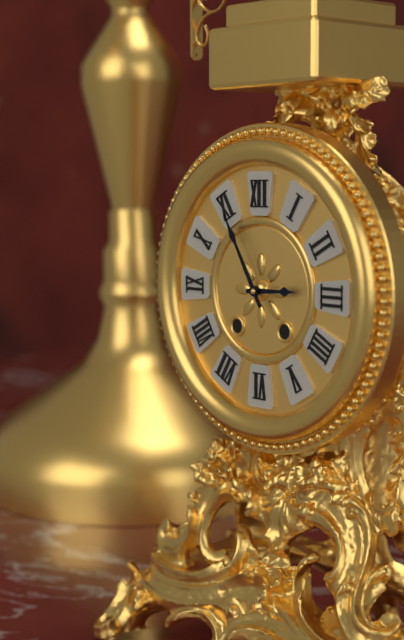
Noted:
2:55
